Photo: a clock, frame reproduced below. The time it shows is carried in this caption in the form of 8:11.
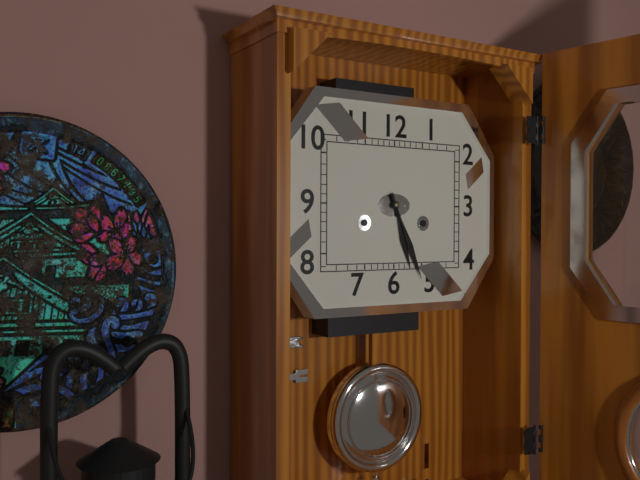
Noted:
5:26
